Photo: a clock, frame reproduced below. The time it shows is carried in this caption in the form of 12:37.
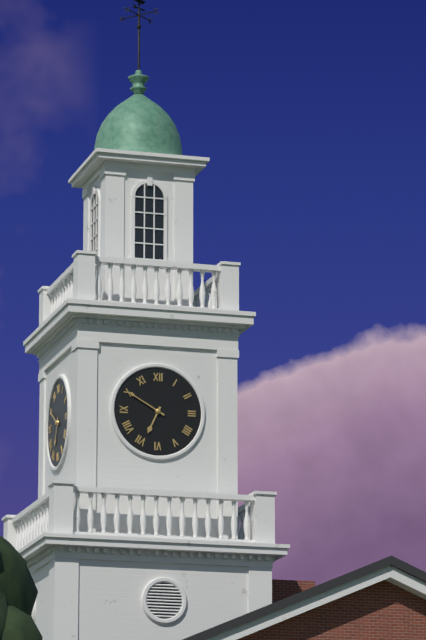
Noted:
6:50
